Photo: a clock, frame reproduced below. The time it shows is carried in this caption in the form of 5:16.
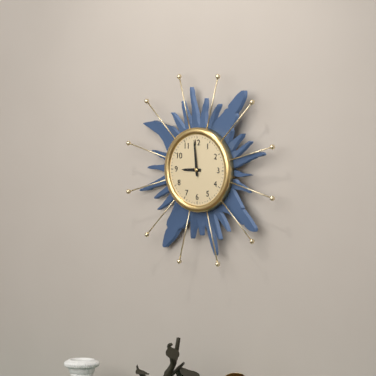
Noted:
8:59
